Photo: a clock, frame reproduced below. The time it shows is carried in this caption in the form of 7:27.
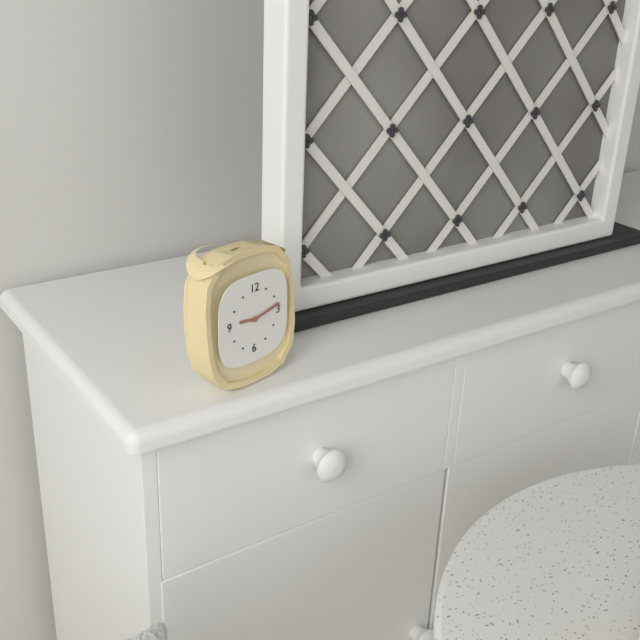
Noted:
9:13
